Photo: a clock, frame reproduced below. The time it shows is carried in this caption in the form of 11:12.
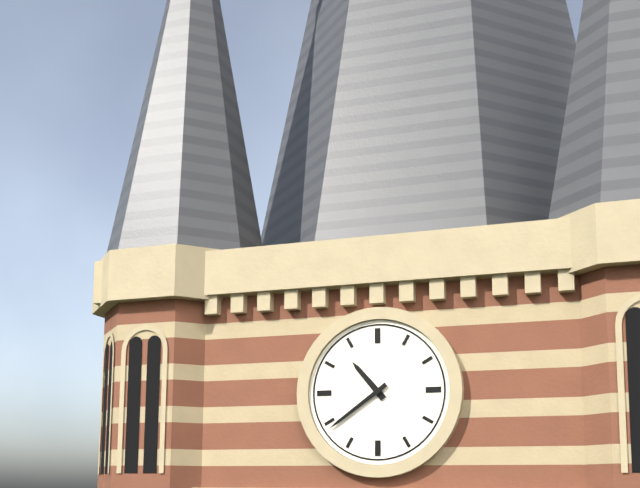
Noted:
10:39
